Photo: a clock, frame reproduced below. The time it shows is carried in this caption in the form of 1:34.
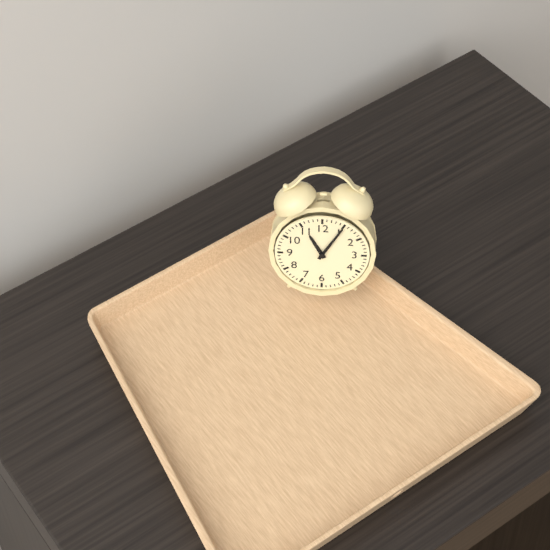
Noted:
11:05
